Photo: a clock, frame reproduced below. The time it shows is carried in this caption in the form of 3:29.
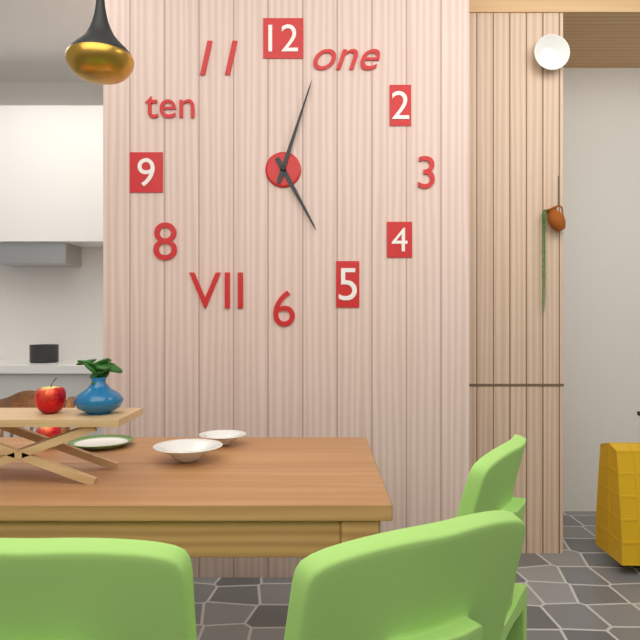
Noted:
5:03
